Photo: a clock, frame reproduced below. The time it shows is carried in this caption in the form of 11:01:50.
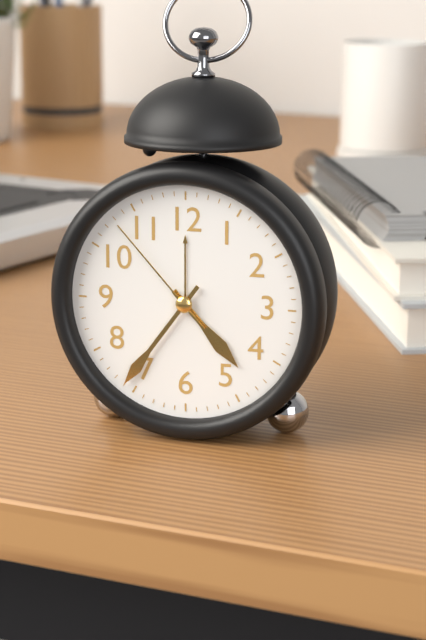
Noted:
4:36:53
